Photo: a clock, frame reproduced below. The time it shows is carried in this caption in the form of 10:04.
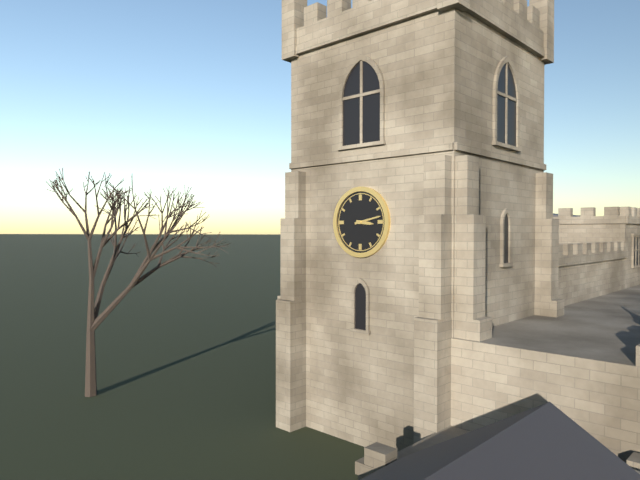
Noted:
3:13
